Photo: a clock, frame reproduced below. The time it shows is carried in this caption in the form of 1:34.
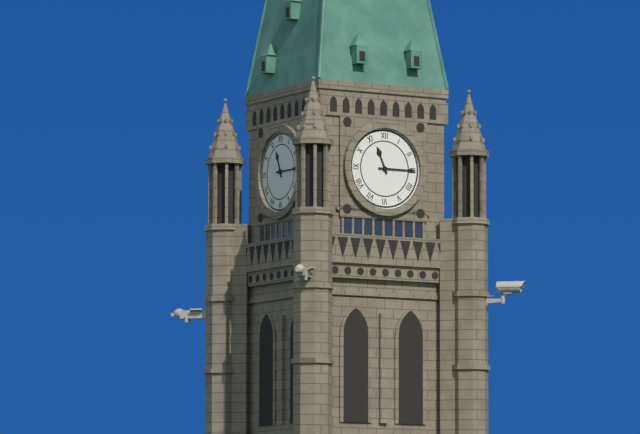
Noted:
11:15
